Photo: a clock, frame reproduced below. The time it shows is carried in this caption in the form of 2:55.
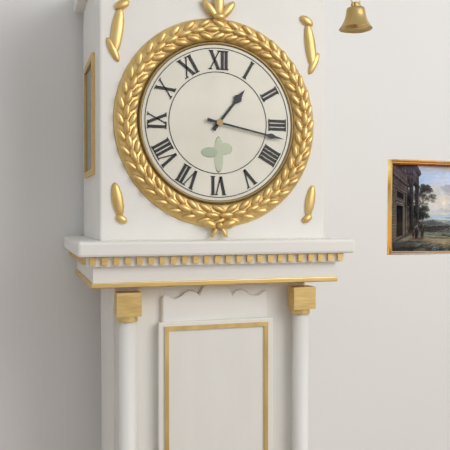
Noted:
1:17
